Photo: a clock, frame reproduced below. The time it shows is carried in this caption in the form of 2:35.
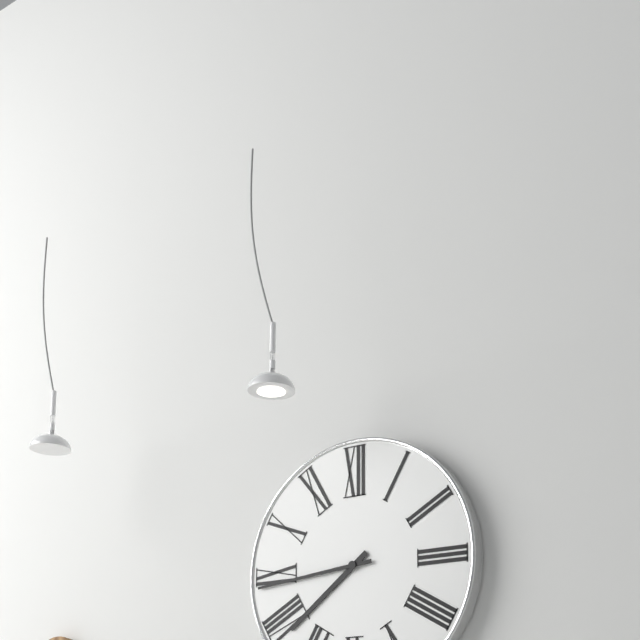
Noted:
7:44
